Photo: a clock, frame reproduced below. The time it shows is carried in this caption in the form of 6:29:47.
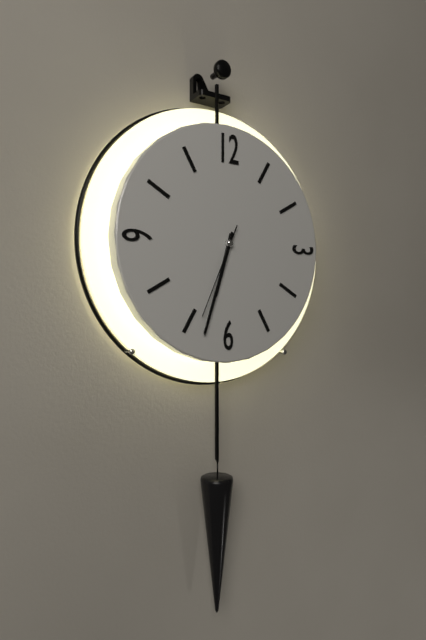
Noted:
6:33:34
